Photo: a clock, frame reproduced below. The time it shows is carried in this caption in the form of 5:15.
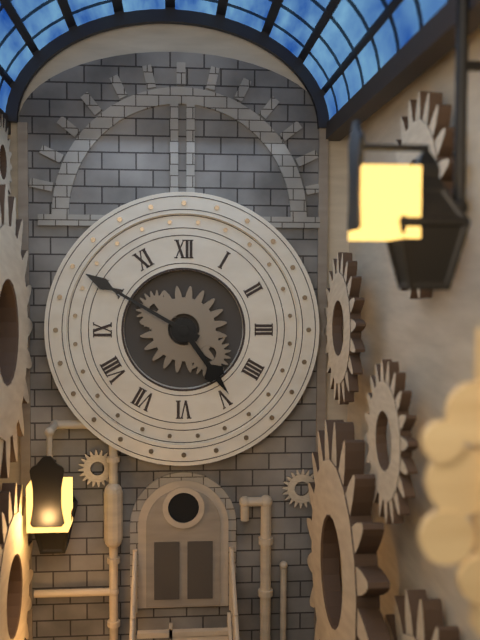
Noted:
4:50
